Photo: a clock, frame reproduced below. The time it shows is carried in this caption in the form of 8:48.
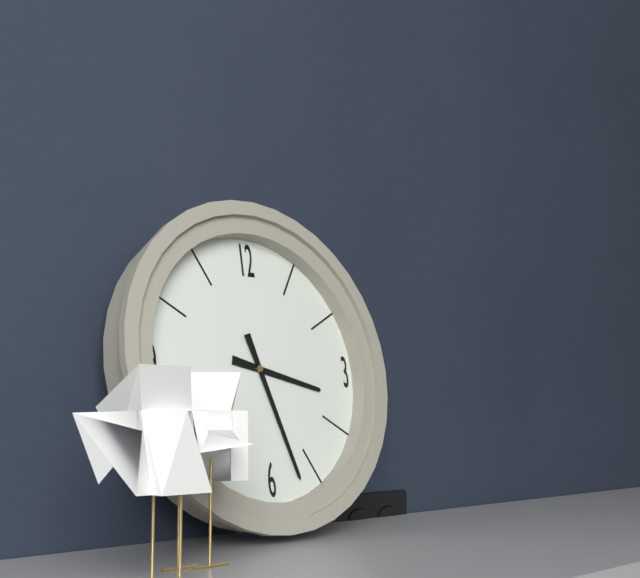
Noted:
3:27
